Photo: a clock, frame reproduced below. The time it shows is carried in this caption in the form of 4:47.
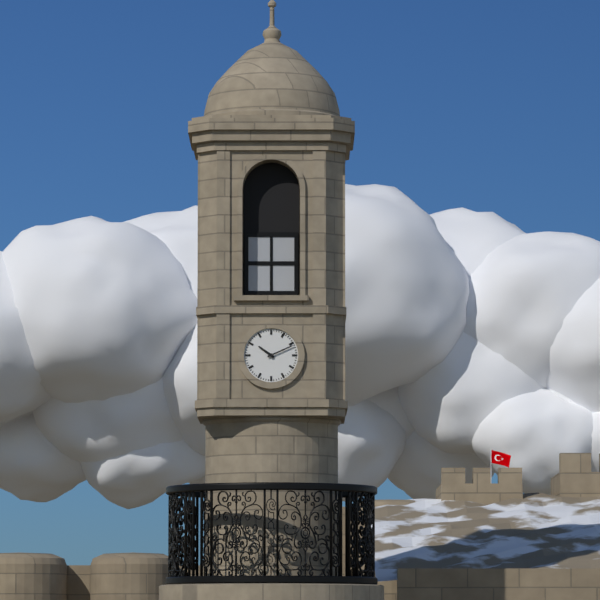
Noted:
10:11
